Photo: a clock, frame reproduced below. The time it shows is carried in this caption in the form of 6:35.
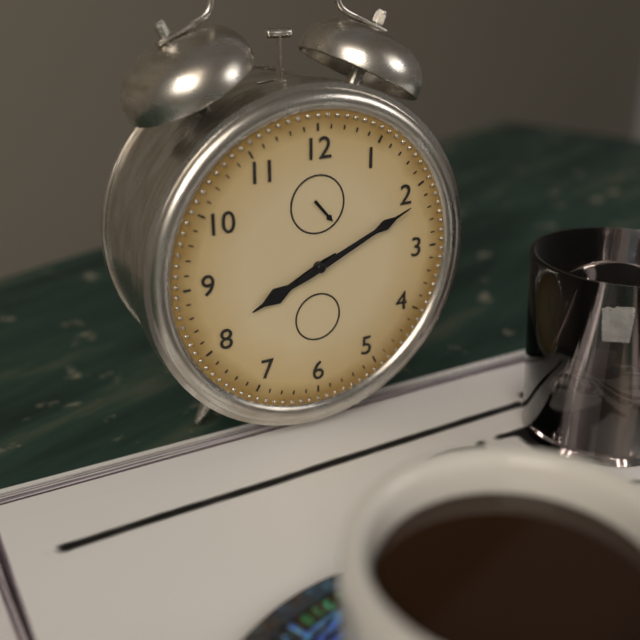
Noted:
8:11
